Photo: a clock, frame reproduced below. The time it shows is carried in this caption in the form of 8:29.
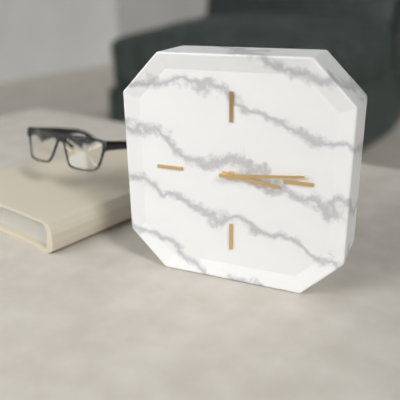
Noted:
3:14
